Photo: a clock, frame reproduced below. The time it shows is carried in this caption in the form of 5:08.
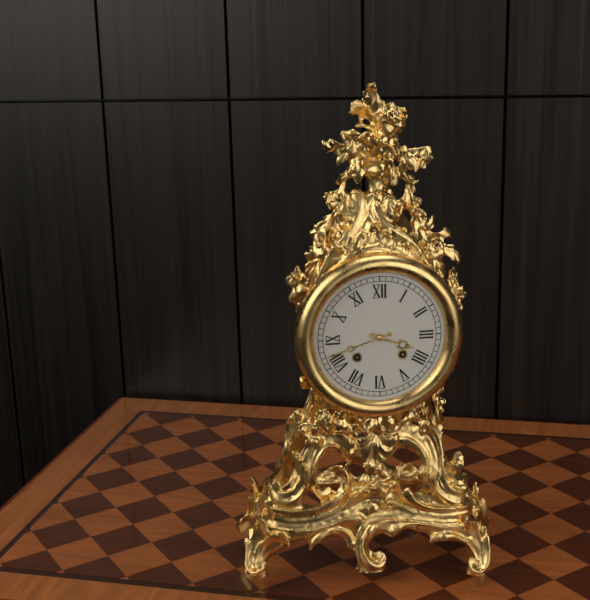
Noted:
3:42
